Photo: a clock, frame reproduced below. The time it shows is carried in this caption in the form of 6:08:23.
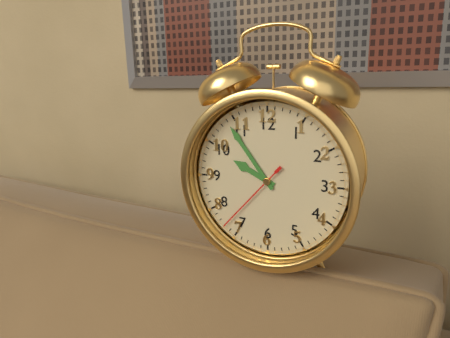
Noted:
9:54:37
